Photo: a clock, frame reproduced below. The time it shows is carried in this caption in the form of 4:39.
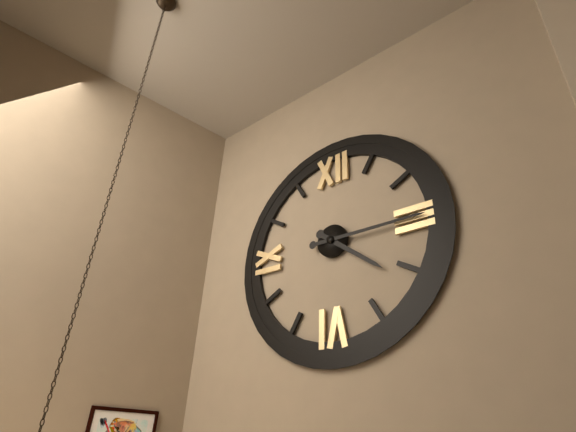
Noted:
4:15
